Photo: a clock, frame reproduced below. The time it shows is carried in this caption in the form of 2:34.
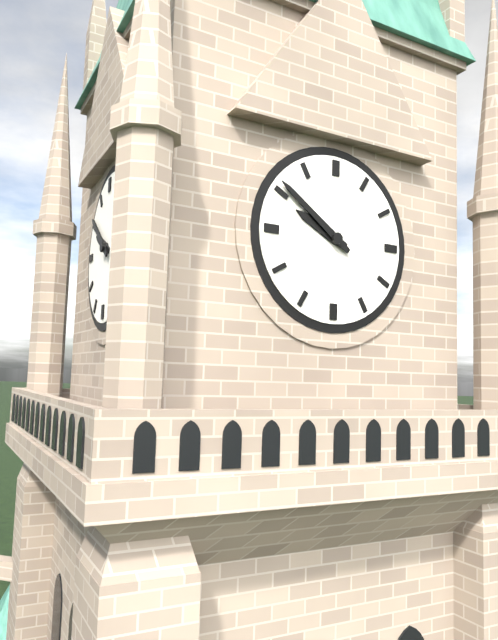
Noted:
9:51
